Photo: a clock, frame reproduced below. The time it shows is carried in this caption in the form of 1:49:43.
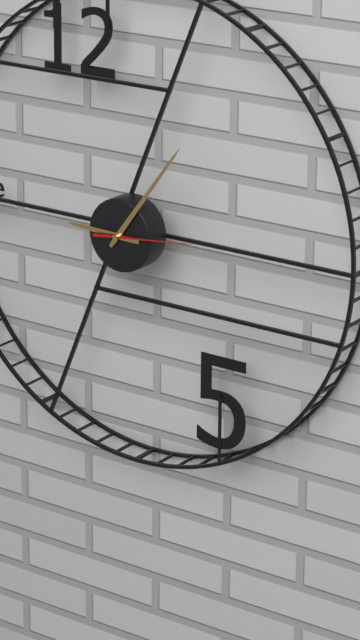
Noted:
9:06:14
